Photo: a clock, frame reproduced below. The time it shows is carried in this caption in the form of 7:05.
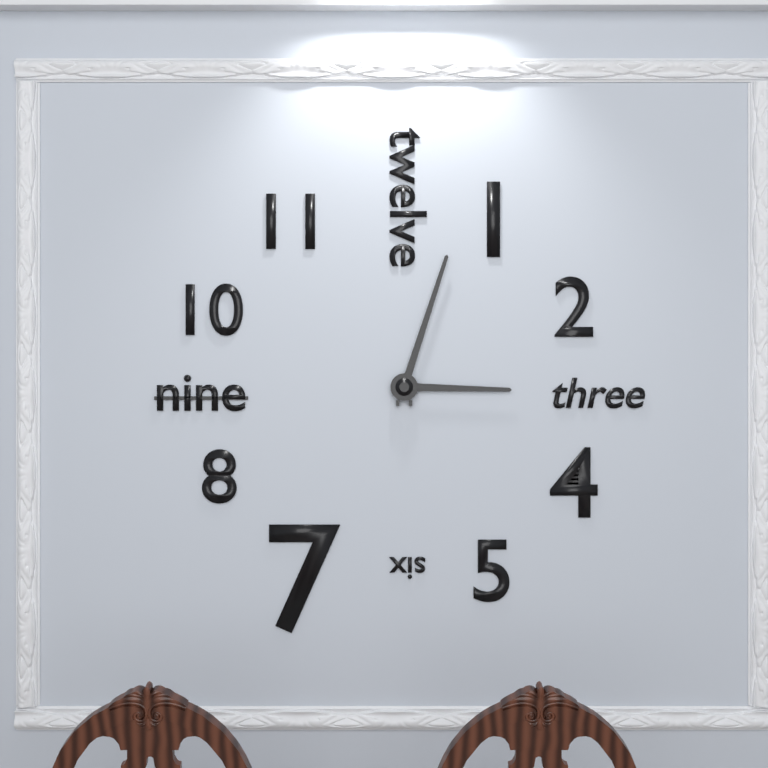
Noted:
3:03
